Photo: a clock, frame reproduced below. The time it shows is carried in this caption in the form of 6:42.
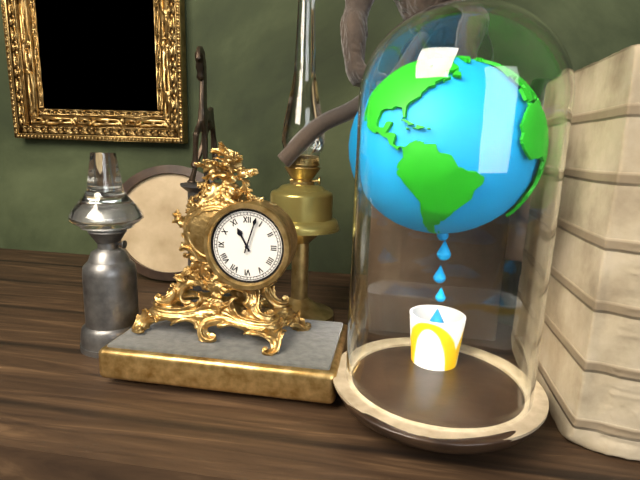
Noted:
11:03
